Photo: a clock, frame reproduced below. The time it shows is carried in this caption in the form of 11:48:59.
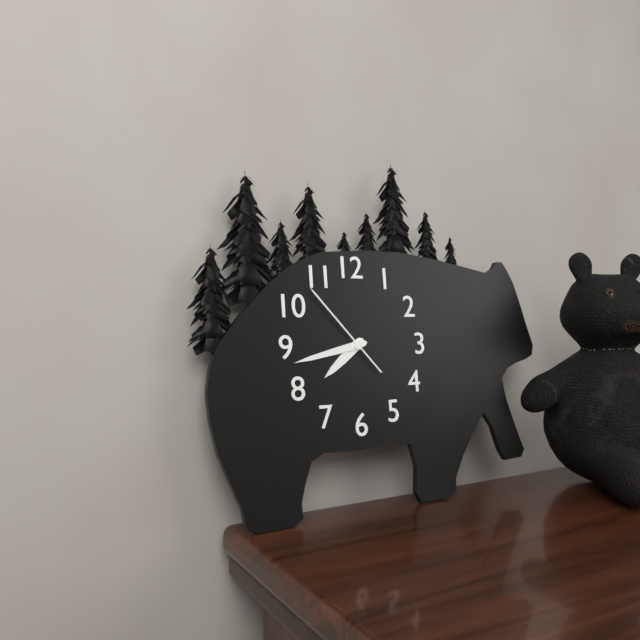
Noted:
7:43:53
